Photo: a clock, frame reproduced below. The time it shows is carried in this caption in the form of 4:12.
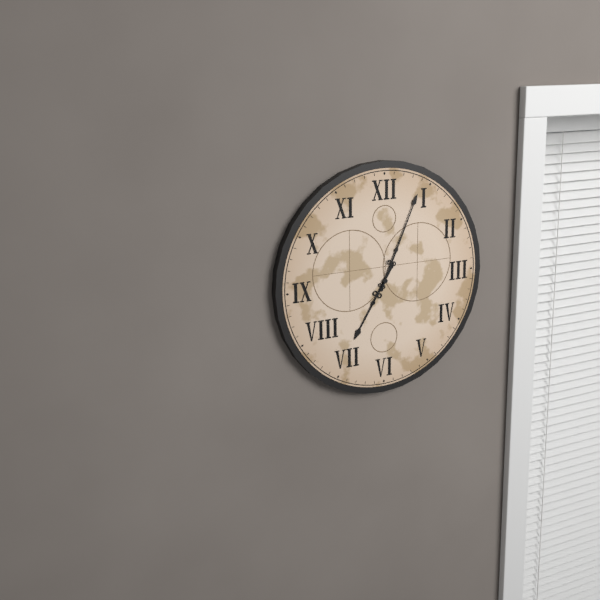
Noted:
7:04
